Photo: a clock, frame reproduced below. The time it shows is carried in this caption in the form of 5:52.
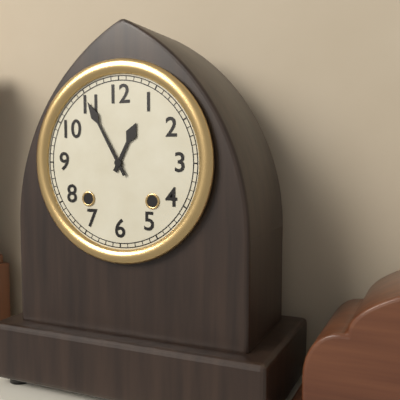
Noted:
12:55
